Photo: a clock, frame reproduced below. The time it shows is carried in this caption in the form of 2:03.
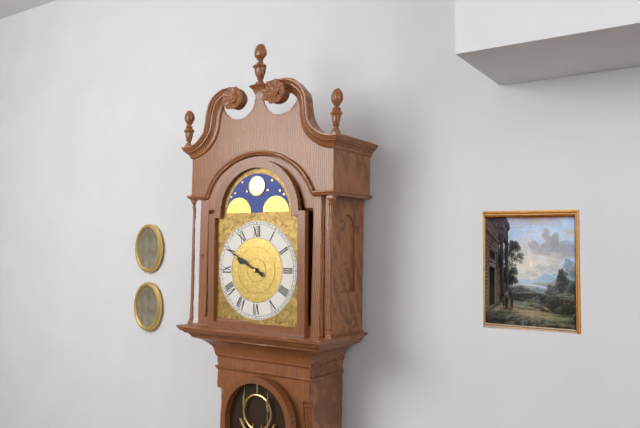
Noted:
9:50
